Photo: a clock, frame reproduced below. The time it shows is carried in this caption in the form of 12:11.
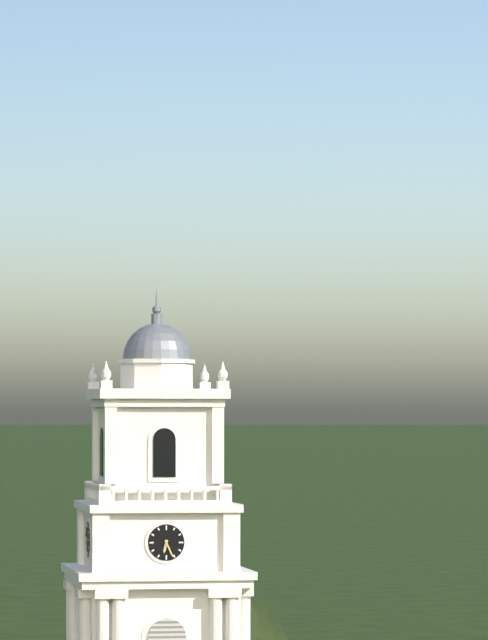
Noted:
6:26
